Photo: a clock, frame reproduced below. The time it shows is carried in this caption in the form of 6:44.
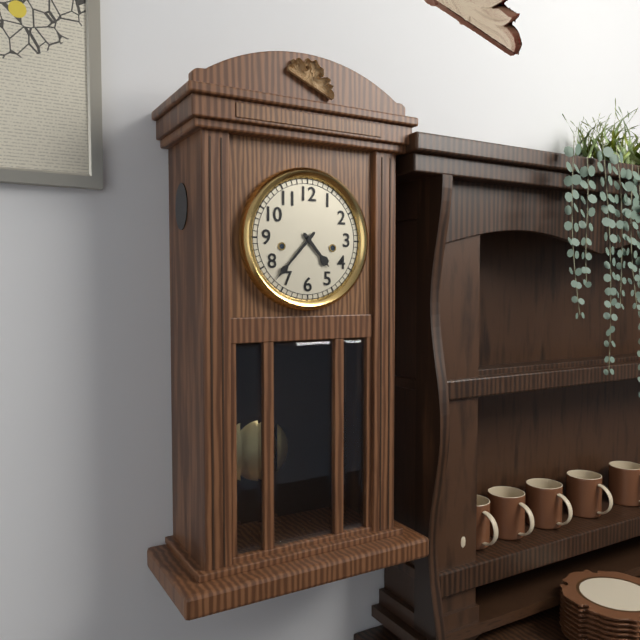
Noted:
4:37
